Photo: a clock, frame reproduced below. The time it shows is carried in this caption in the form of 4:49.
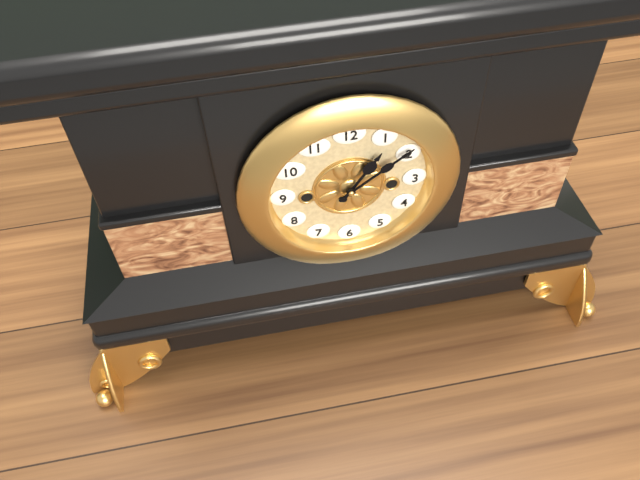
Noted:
1:09
